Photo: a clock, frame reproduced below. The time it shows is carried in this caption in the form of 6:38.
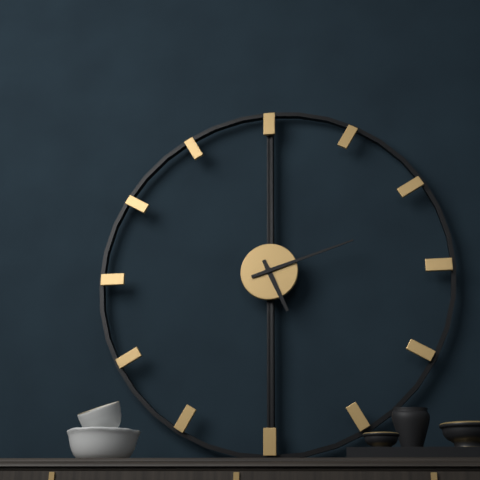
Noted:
5:12
